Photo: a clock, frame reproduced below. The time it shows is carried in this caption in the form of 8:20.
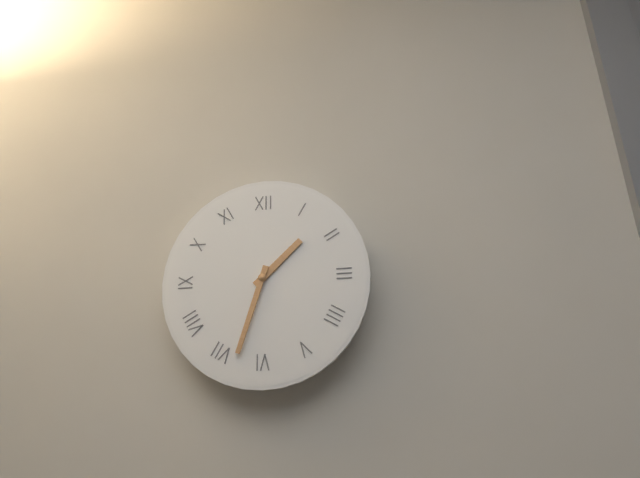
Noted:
1:33
